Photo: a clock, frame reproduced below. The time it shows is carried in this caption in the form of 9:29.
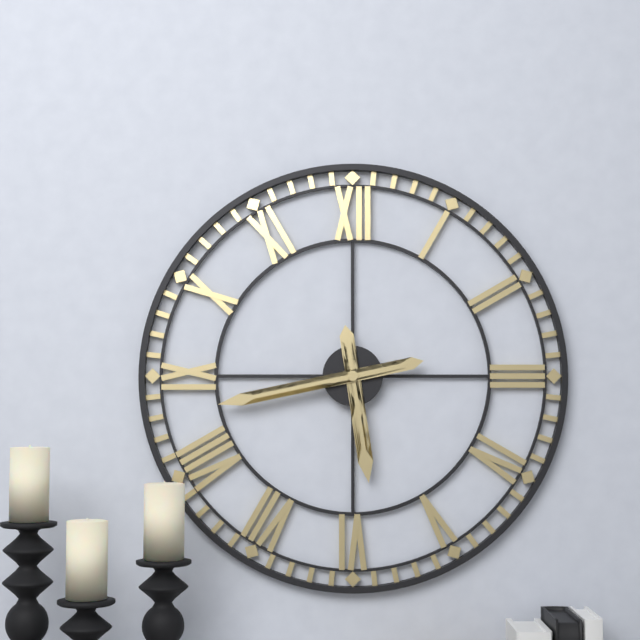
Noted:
5:43
